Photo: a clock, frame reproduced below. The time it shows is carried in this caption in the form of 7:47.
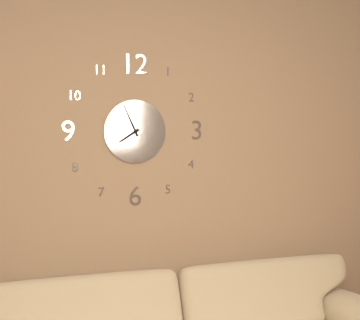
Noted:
7:56
